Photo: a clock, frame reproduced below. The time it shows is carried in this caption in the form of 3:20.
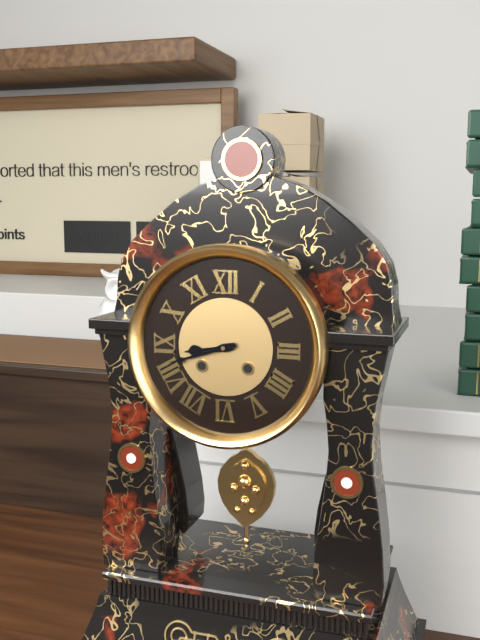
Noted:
8:42
